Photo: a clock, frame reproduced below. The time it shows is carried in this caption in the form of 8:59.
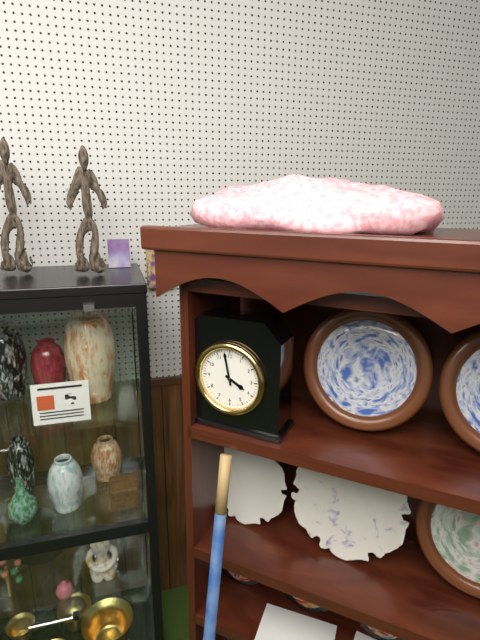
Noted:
3:58
